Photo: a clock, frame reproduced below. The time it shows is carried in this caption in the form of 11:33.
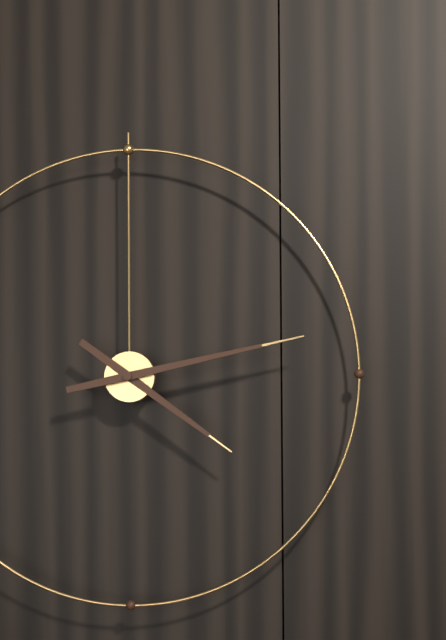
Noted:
4:13
